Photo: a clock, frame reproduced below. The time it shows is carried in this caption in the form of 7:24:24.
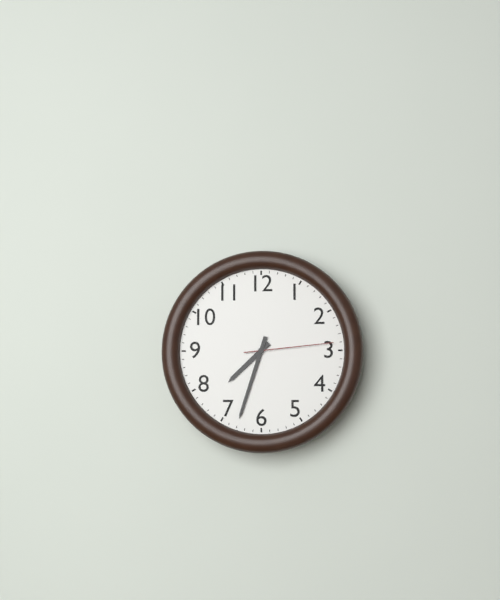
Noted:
7:33:14
